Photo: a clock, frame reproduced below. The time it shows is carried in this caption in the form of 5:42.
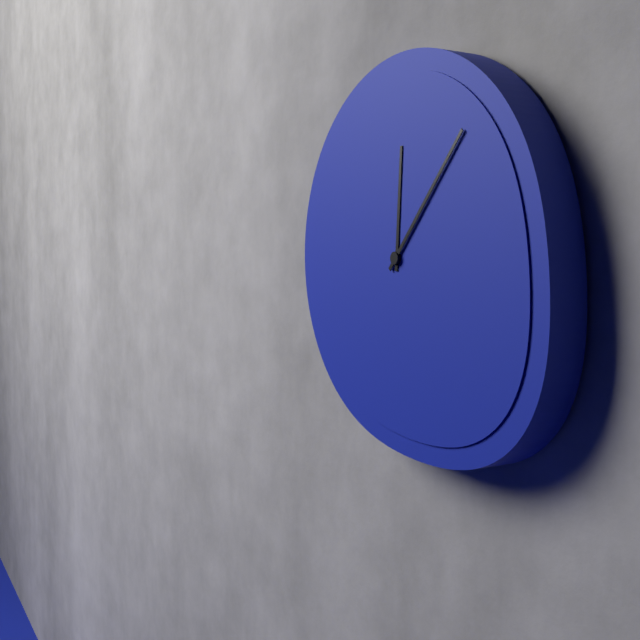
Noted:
12:07
